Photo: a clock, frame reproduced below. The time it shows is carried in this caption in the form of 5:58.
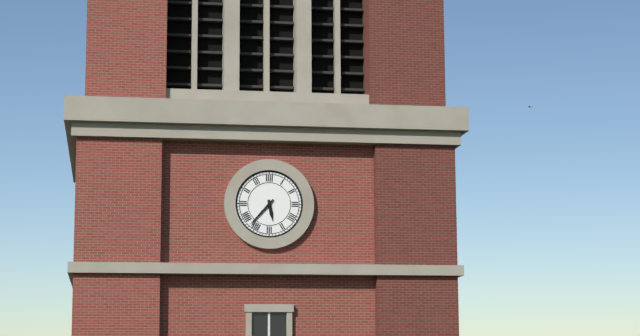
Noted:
5:37
